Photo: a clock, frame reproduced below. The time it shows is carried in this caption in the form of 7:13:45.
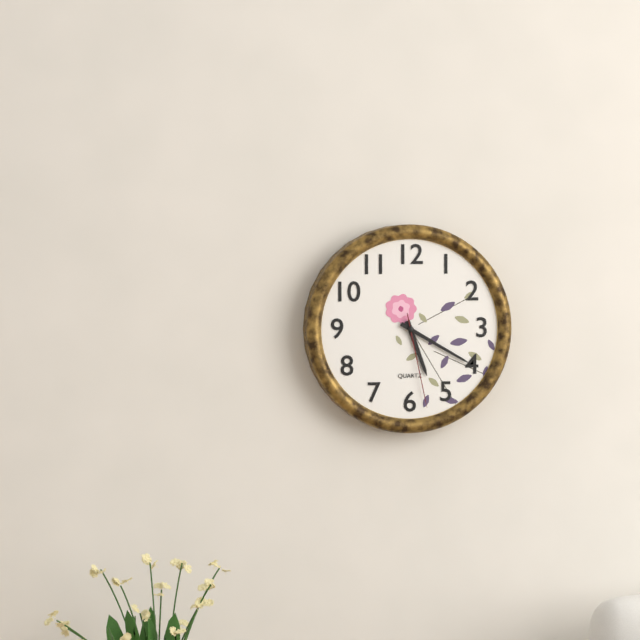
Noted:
5:20:28
